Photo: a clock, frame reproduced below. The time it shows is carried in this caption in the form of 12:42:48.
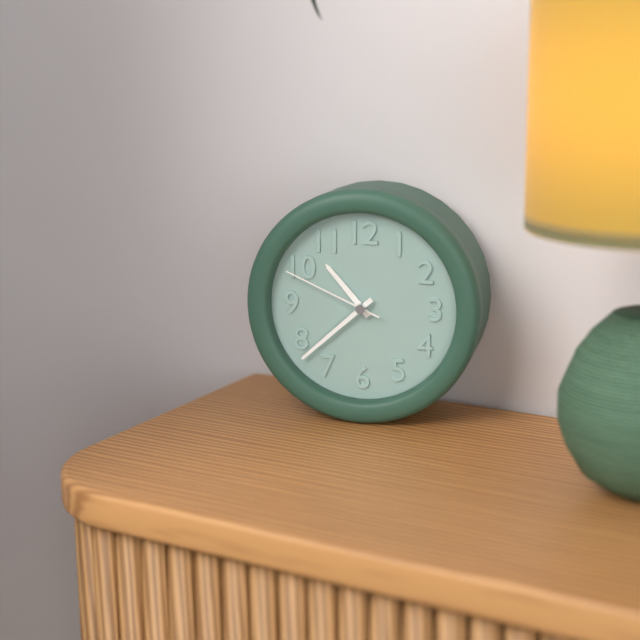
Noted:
10:38:49
